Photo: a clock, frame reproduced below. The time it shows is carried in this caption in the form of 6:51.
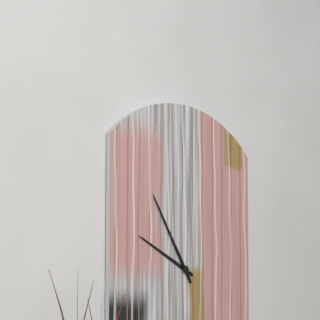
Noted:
9:55
